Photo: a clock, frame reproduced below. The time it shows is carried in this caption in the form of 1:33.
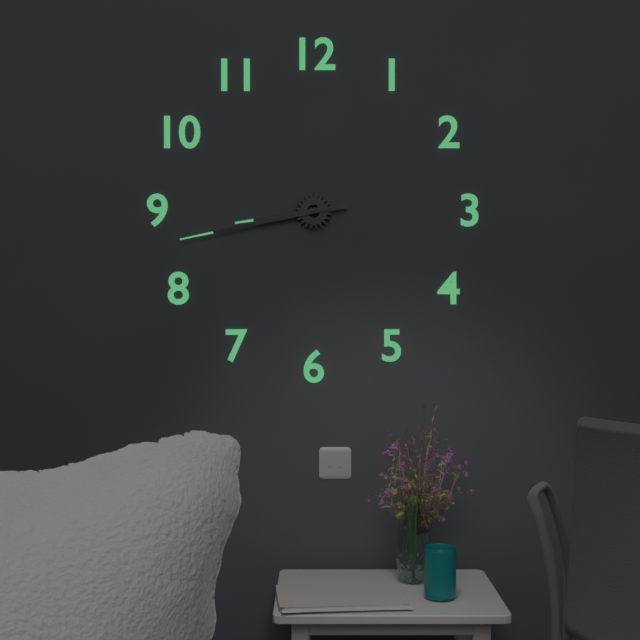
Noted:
8:43
